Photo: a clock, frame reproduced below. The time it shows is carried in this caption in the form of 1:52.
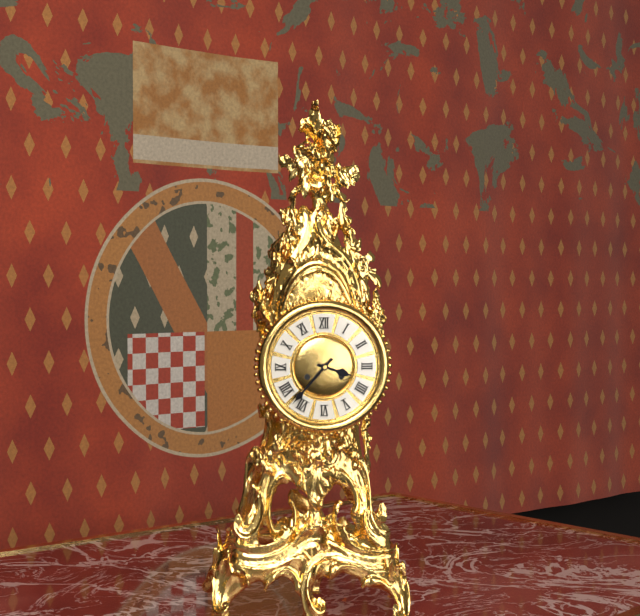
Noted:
3:37
